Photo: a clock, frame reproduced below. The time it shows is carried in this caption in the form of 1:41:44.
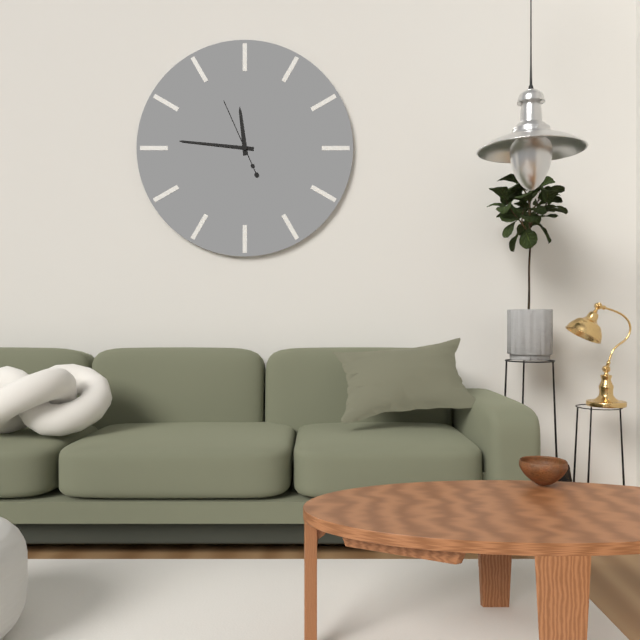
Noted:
11:46:56
